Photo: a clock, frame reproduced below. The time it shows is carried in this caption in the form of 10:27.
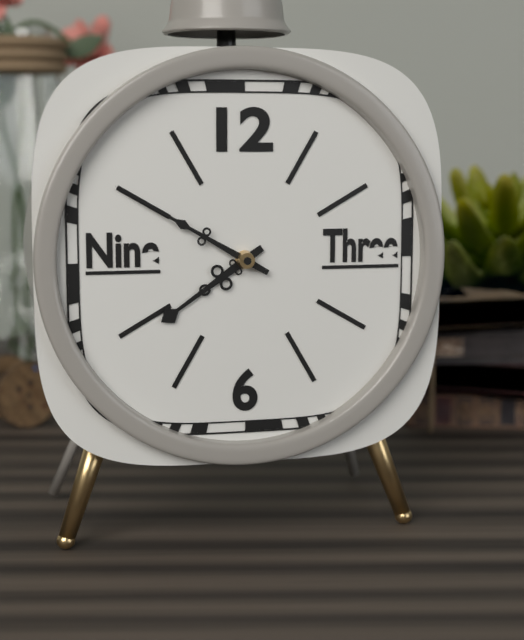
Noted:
7:50
